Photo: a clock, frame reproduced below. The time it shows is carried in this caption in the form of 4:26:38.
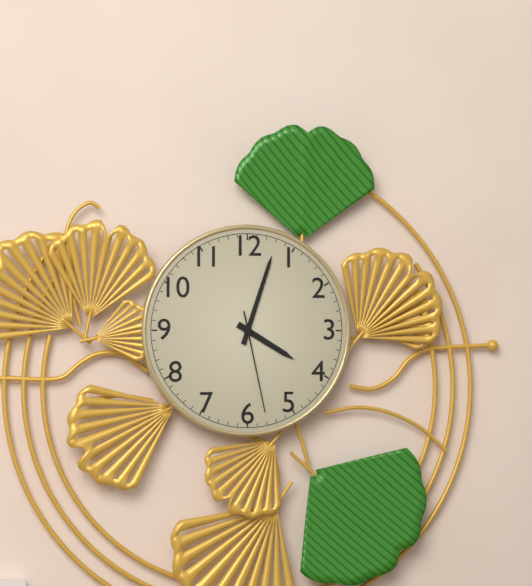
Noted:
4:03:28
